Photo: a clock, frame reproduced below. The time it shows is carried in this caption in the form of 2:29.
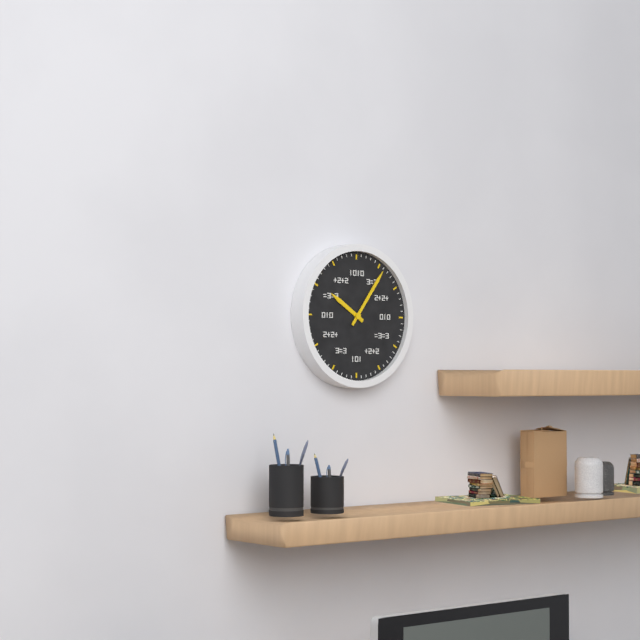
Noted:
10:06
